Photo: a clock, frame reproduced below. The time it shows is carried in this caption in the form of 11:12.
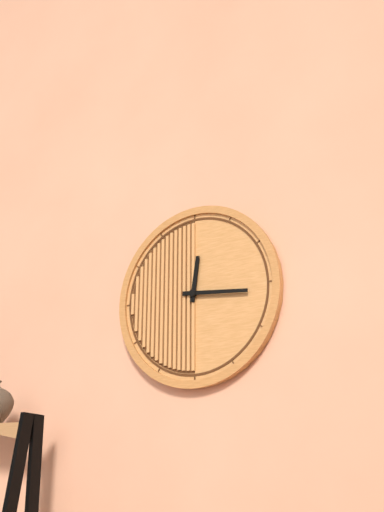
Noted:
12:16
